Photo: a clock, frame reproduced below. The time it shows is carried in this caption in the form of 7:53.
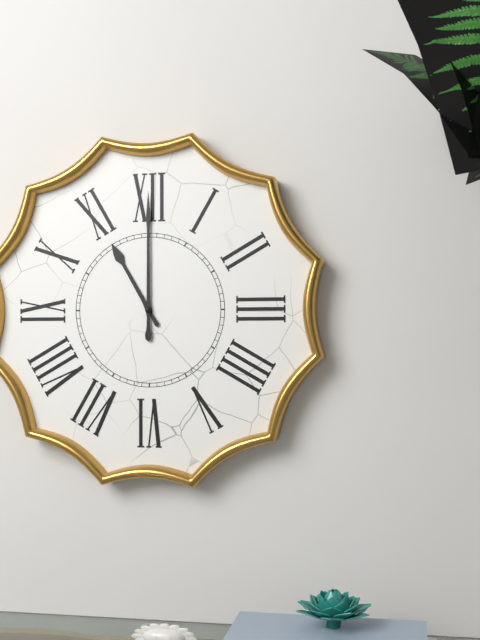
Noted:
11:00
